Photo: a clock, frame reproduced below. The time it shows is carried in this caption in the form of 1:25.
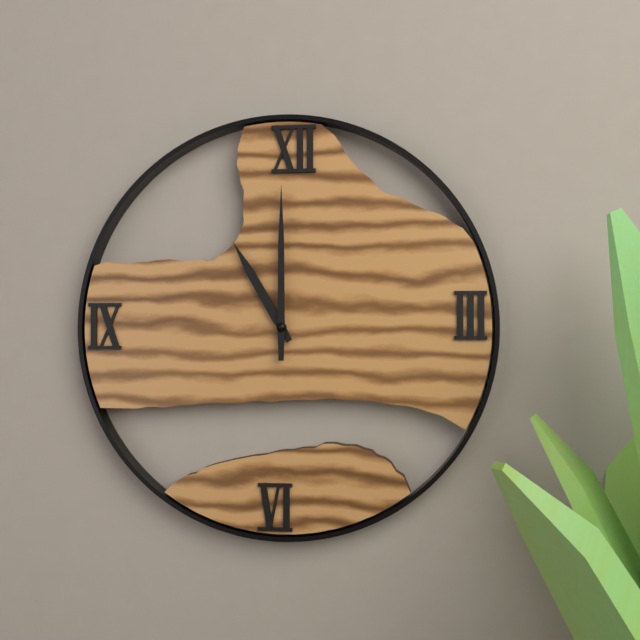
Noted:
11:00
